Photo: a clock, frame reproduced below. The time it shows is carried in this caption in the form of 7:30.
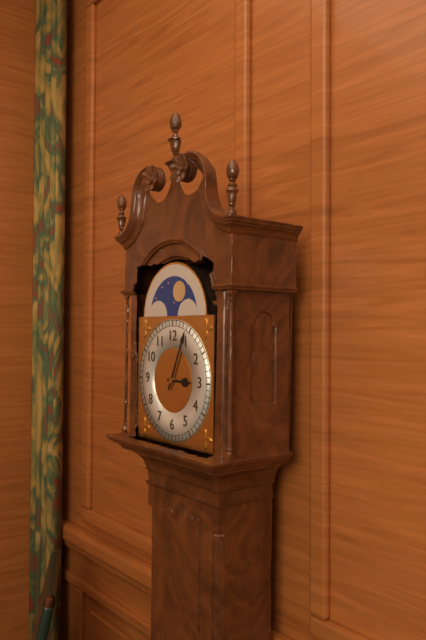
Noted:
3:04
